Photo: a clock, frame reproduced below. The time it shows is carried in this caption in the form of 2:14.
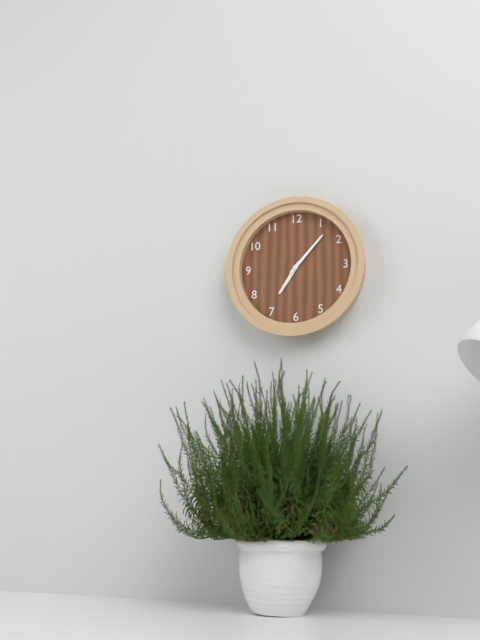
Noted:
7:07
